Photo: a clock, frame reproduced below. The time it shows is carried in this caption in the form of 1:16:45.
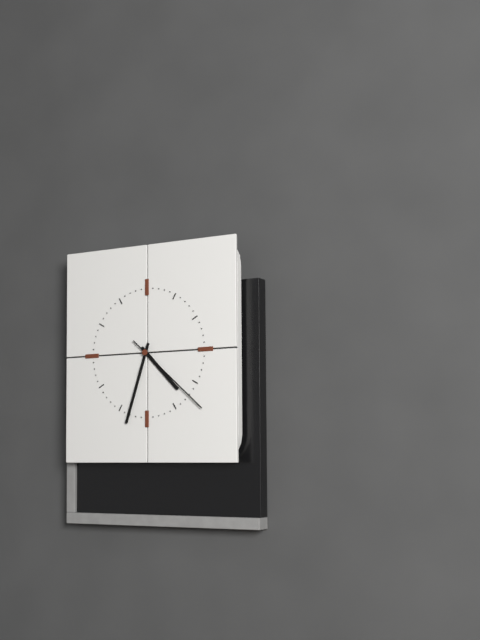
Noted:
4:33:22
